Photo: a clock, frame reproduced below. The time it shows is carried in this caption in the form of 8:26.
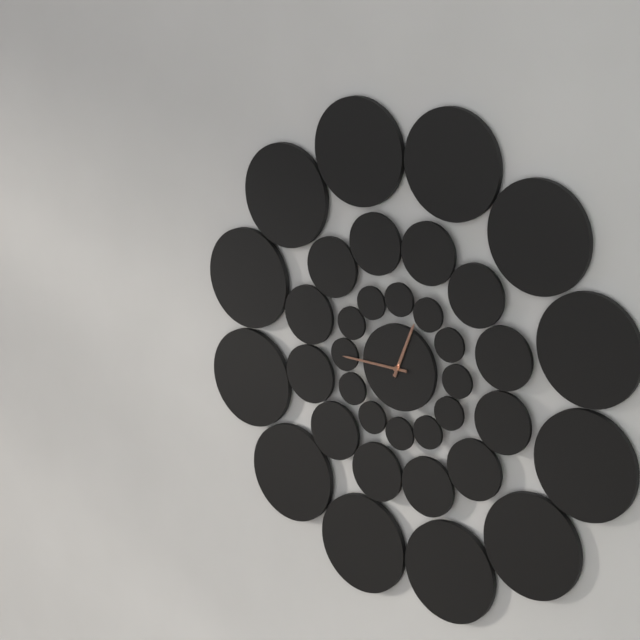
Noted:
12:45
